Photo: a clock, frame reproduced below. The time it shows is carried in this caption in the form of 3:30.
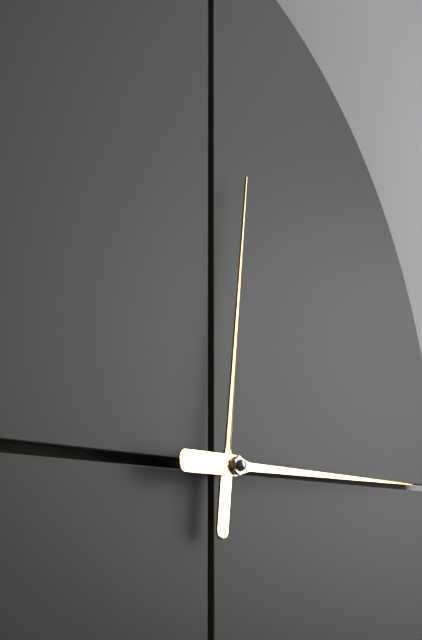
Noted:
12:15
